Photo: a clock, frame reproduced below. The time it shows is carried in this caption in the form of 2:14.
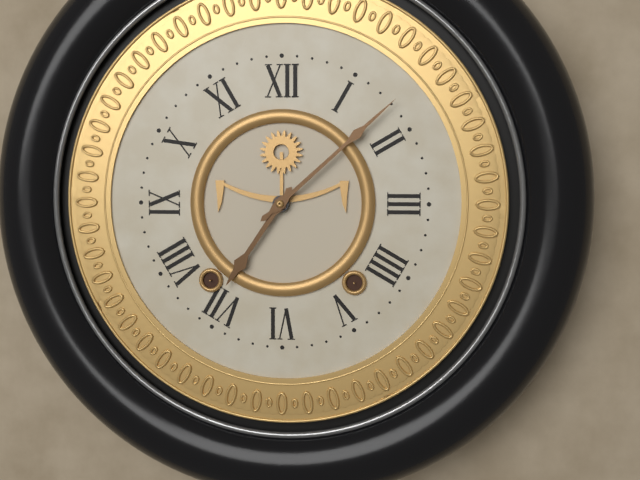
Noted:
7:08
